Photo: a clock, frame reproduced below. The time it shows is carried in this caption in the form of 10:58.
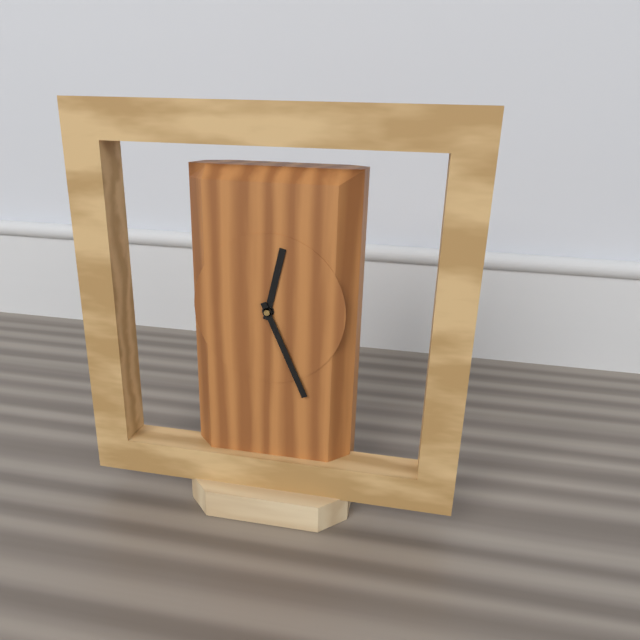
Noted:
12:26
